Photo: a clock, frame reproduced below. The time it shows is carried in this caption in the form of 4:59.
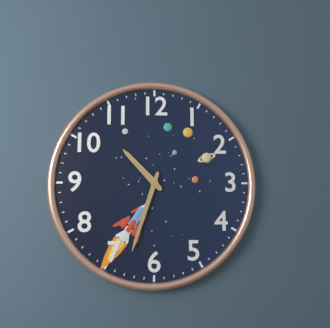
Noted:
10:33
